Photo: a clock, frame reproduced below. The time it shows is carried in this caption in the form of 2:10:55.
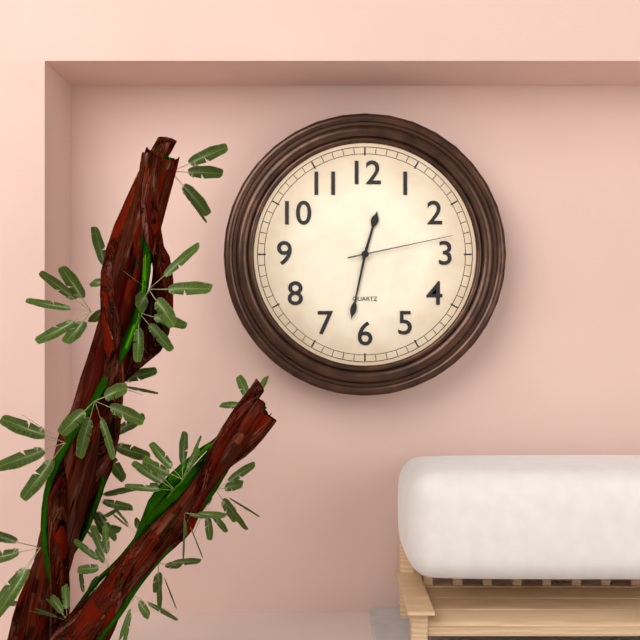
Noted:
12:32:13
